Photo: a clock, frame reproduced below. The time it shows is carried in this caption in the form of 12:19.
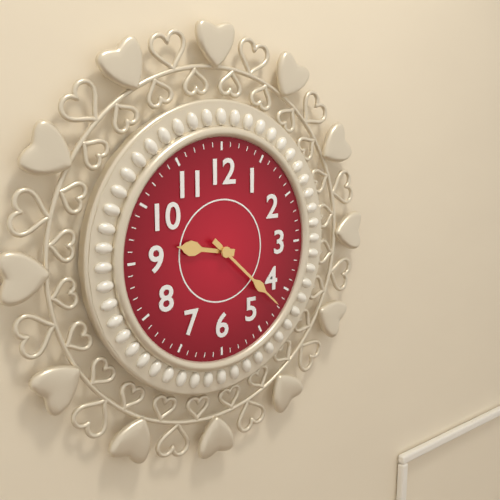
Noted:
9:22
